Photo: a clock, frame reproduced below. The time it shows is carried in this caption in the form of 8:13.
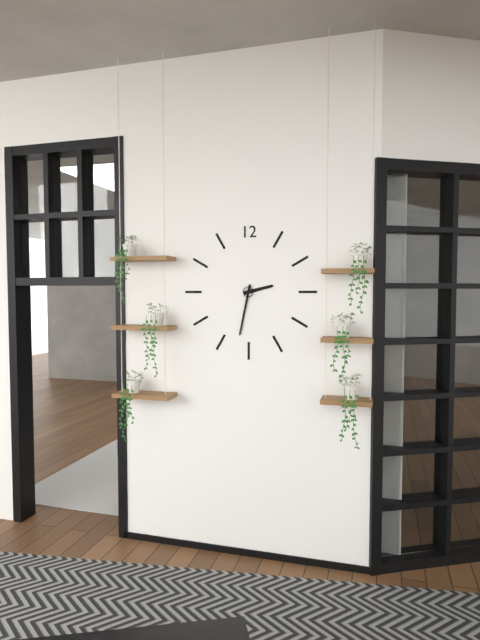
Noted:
2:32
